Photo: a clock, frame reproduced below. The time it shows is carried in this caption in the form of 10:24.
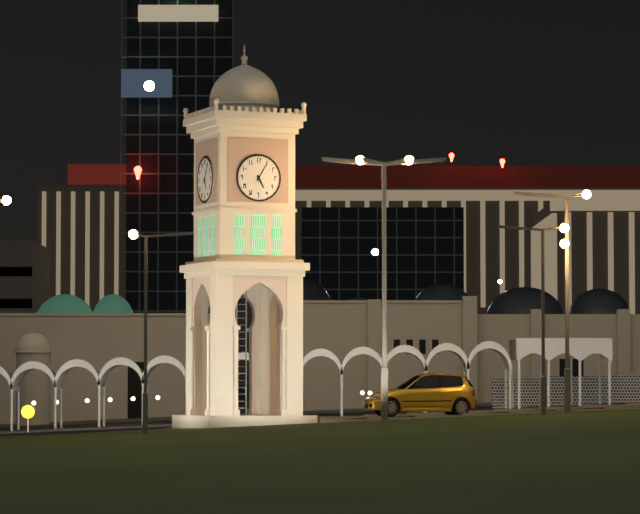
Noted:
5:05
